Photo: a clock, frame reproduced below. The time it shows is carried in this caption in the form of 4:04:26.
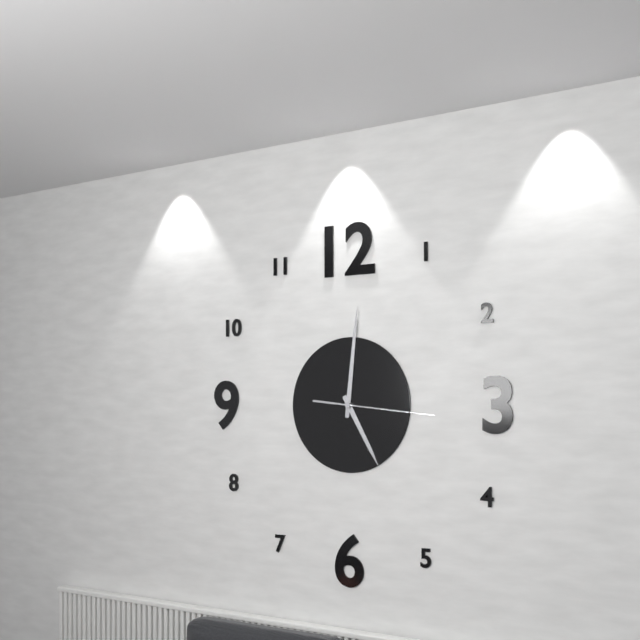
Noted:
5:01:16
